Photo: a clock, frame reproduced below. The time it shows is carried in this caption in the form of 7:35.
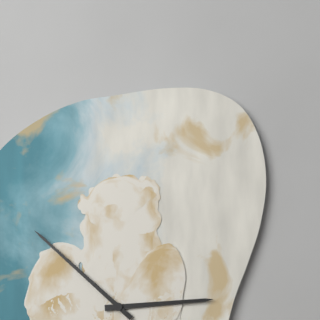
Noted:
2:52
